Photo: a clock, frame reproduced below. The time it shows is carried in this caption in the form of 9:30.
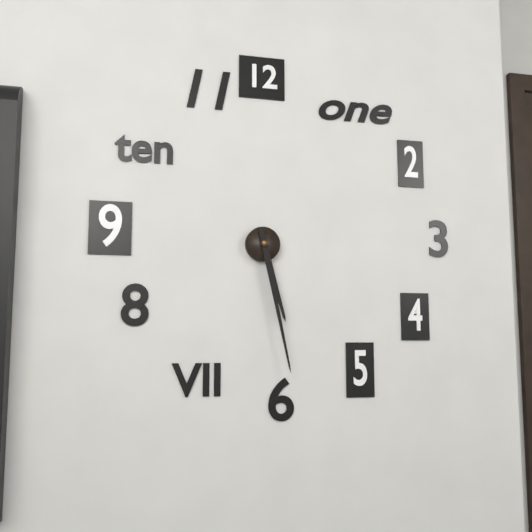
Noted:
5:28
